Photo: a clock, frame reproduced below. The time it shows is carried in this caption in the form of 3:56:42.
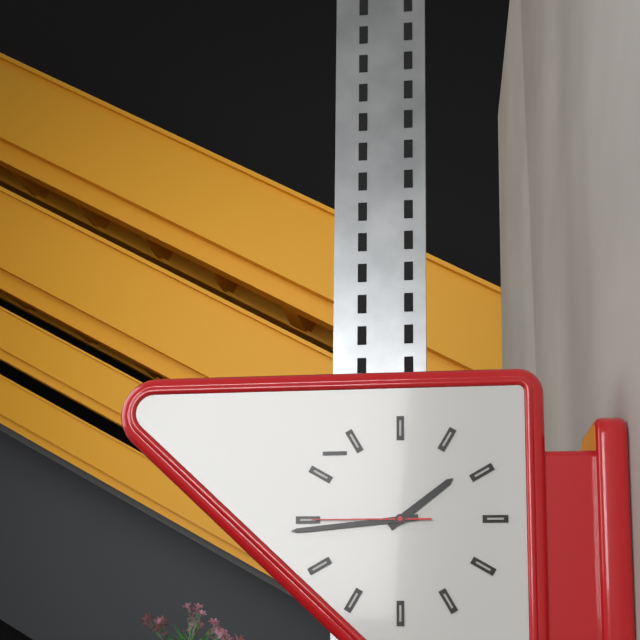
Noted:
1:44:45
